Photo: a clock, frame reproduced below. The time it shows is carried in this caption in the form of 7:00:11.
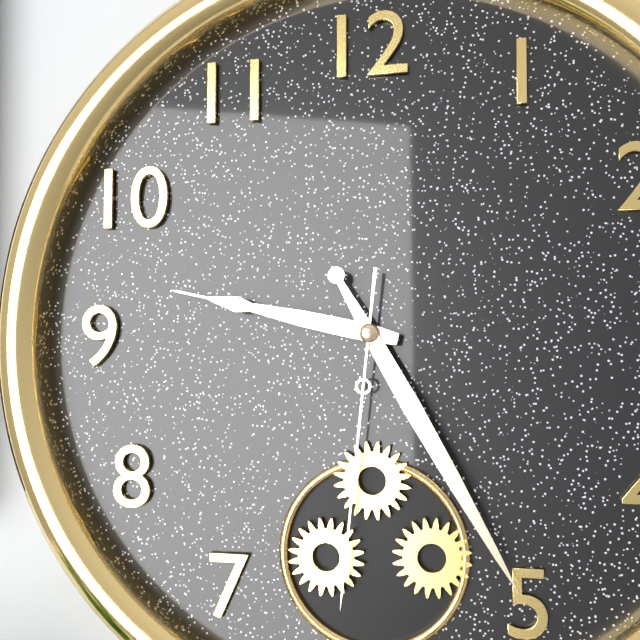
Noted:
9:25:31
